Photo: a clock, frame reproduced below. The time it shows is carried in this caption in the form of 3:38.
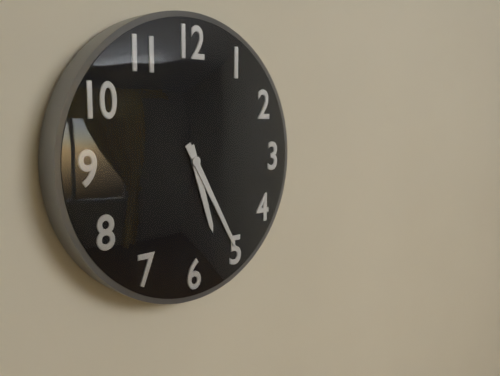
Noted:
5:25
